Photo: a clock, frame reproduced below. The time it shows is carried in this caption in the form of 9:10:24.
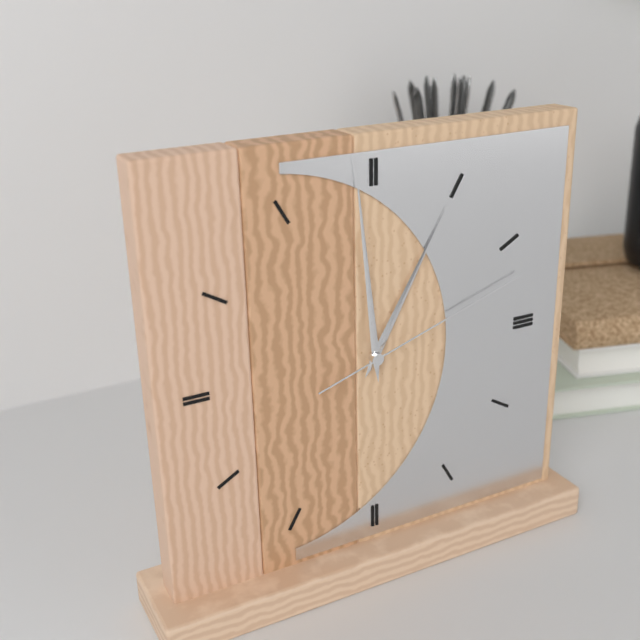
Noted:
12:59:12
